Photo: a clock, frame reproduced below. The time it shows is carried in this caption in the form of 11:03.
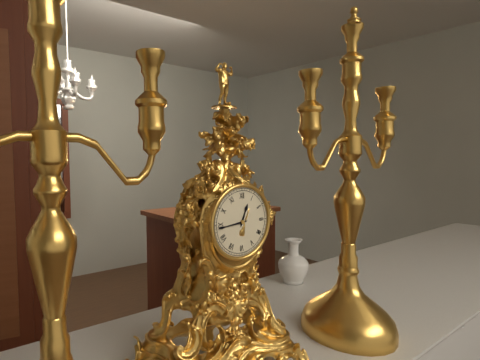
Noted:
12:44
